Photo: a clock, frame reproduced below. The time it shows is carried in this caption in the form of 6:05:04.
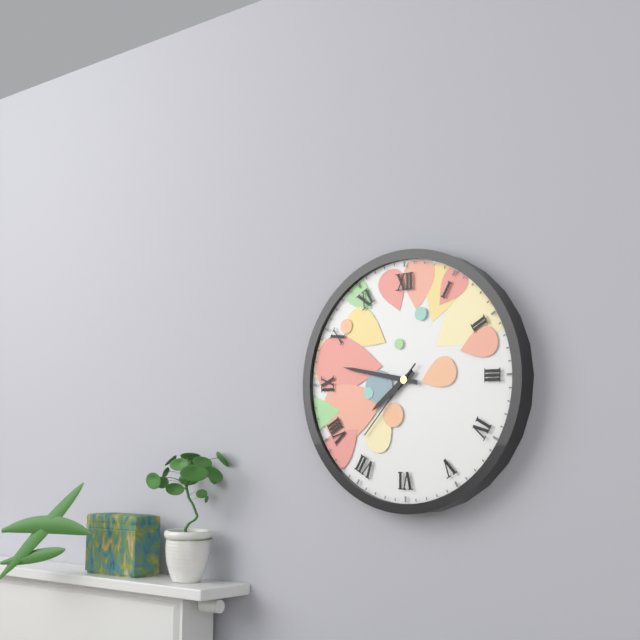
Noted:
7:47:37
